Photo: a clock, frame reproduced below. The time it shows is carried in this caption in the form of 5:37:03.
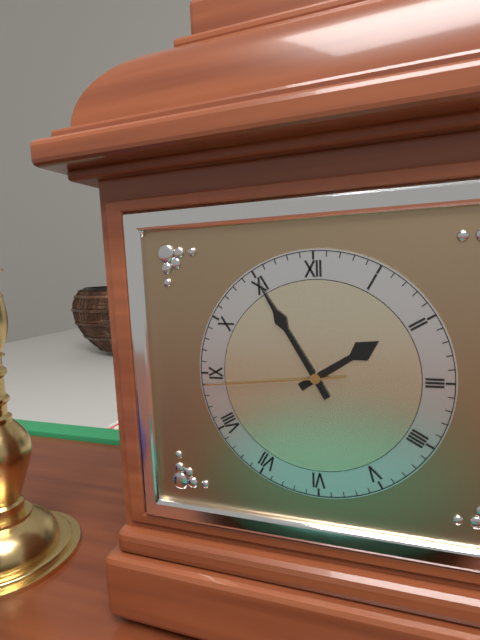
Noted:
1:55:44
